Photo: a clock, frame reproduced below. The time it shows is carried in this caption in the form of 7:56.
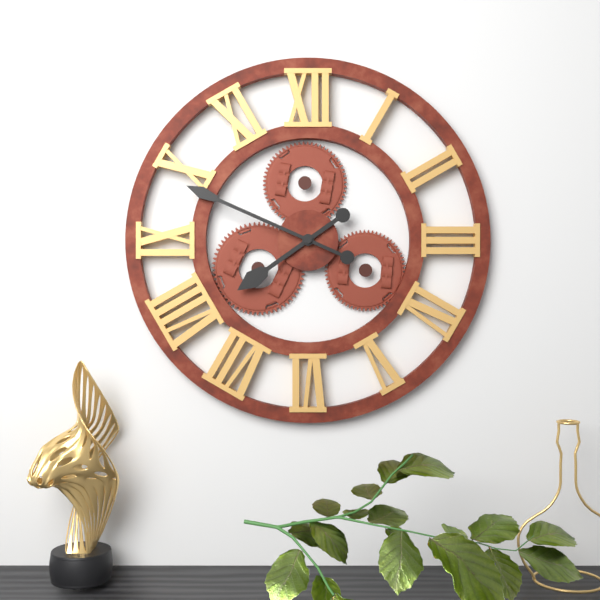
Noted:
7:49
